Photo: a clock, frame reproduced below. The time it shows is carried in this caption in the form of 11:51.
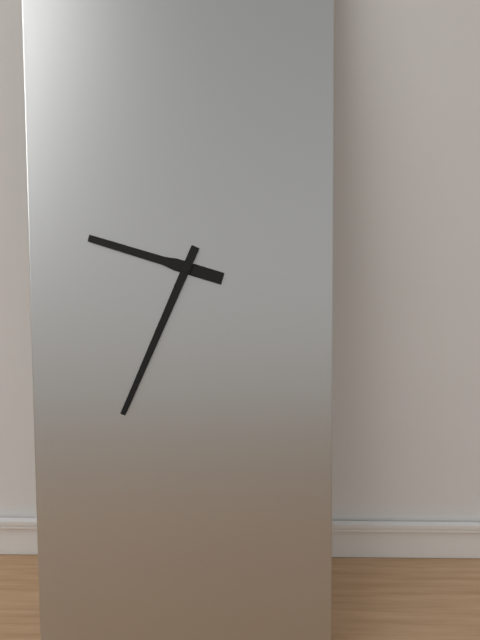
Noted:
9:34
